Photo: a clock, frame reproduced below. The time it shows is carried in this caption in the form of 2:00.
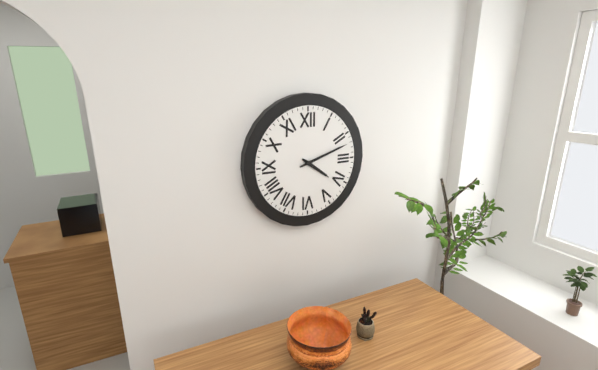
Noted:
4:12
